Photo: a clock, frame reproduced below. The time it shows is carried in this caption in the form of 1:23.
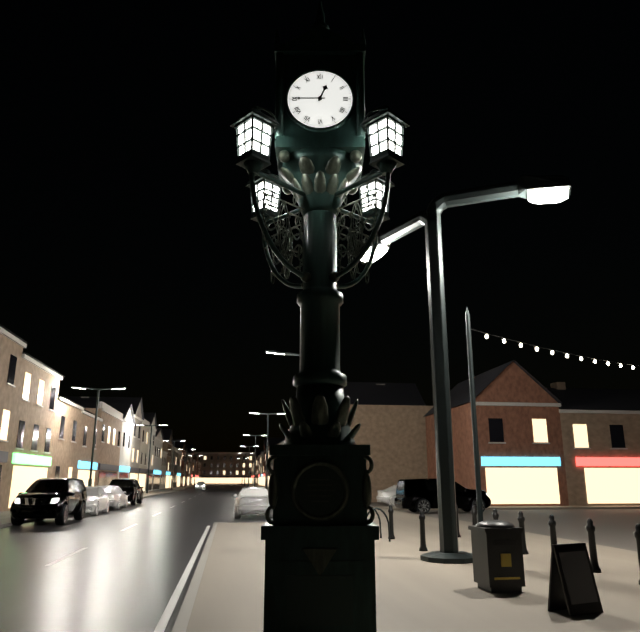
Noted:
12:45
